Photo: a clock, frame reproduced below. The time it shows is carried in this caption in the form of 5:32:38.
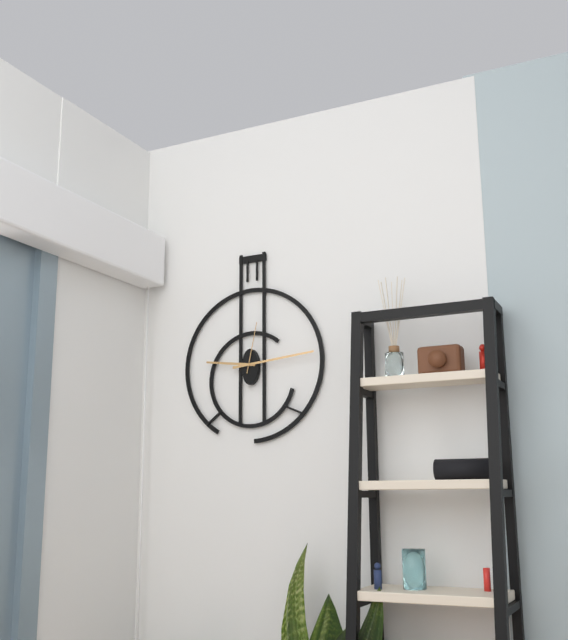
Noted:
9:14:02
